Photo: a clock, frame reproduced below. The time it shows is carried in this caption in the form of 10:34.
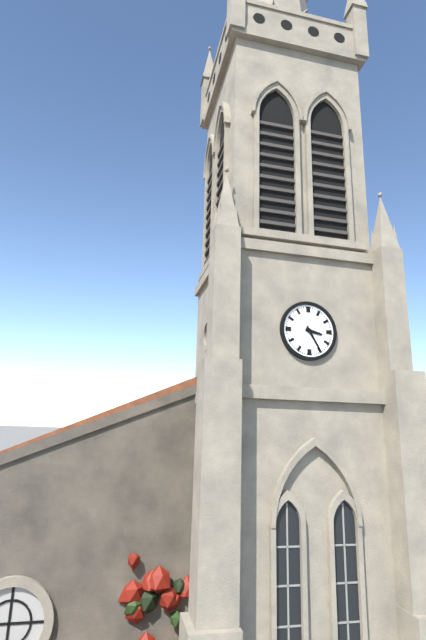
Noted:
3:25
